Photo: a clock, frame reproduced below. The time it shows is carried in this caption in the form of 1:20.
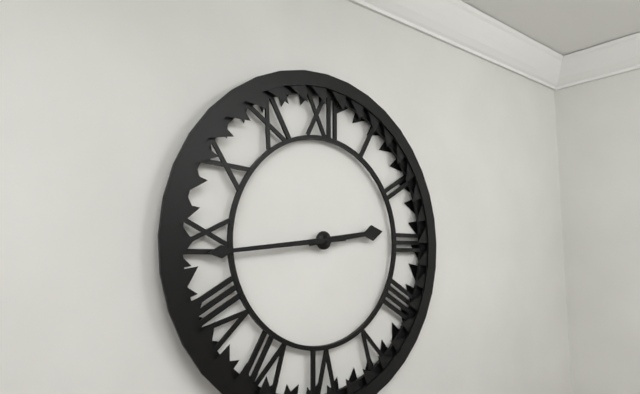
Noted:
2:44
